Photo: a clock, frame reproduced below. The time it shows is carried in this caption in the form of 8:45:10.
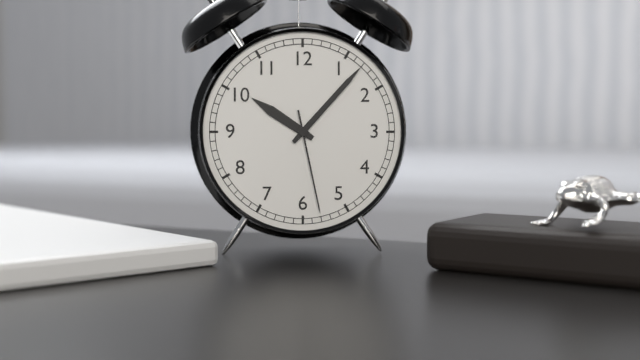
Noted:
10:07:28
